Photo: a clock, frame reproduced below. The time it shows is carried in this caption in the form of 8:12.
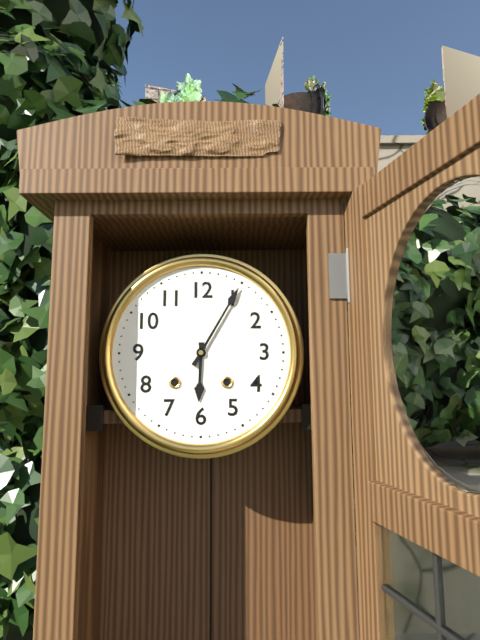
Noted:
6:05
